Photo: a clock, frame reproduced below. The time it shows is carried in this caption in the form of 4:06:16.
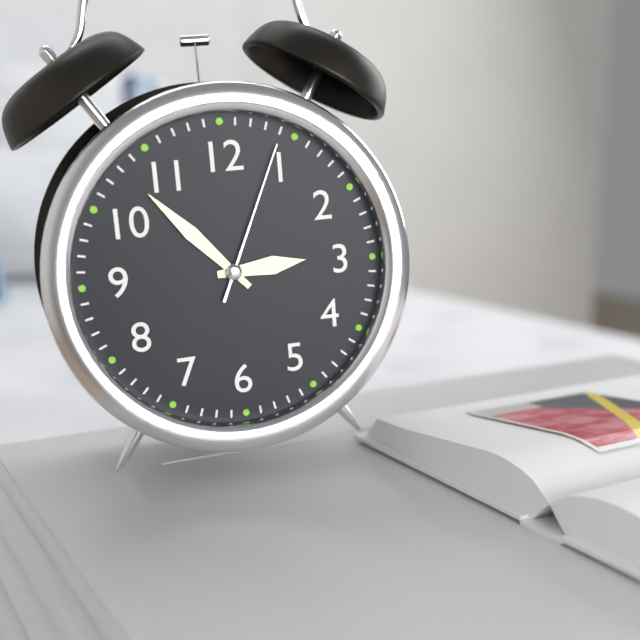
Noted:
2:53:04
